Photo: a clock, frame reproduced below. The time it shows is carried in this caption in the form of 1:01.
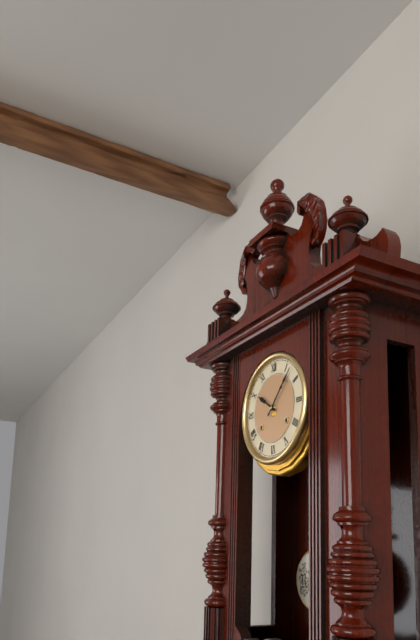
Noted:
10:07
